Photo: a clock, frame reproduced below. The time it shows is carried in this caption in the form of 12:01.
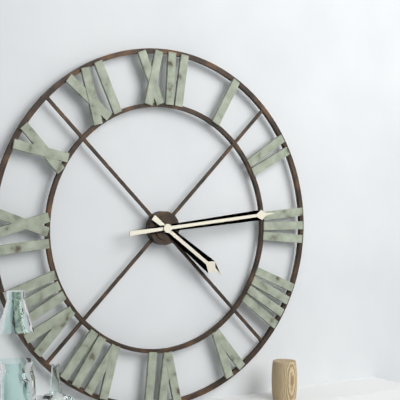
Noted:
4:14
